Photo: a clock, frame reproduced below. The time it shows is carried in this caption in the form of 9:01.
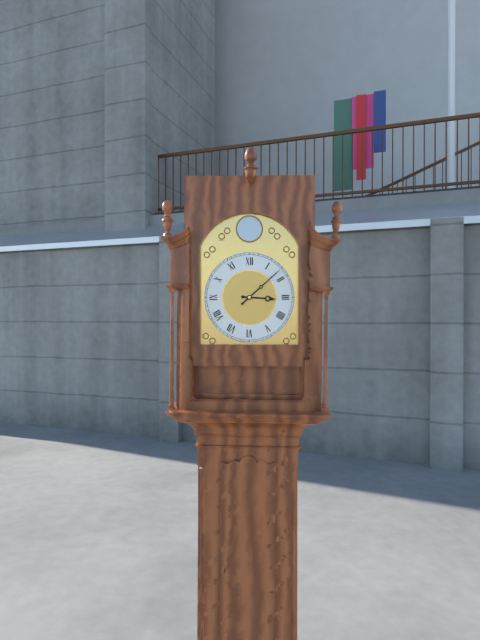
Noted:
3:08
